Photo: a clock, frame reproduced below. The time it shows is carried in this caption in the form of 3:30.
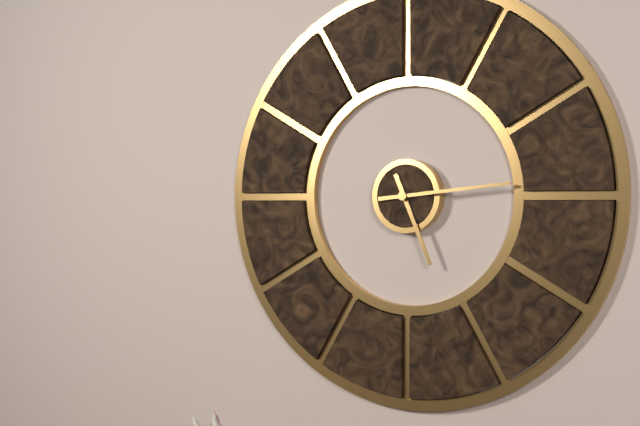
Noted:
5:14
